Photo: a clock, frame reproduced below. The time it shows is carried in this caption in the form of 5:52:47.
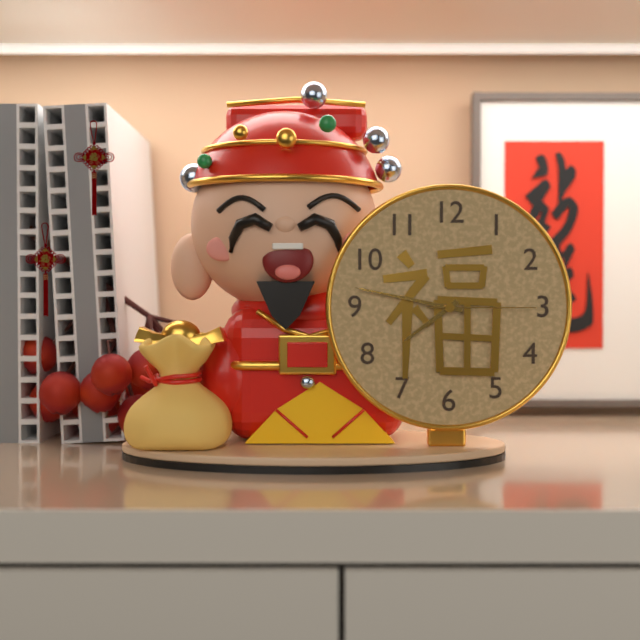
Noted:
7:47:15
